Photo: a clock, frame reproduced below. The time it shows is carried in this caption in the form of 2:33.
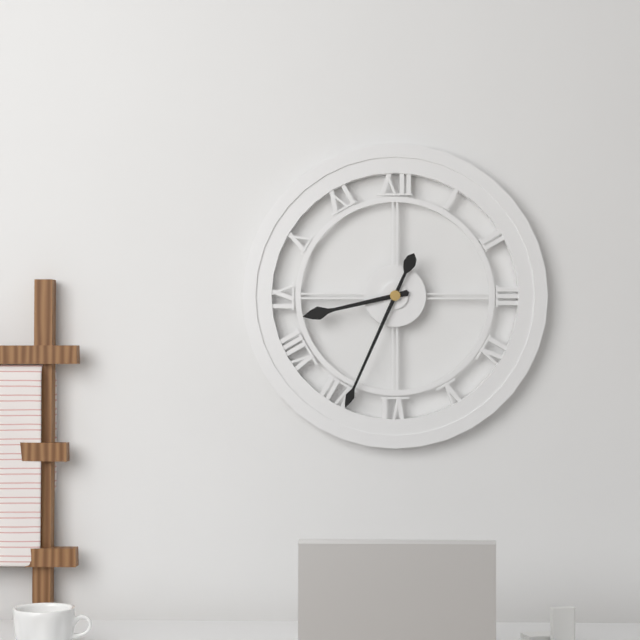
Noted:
8:34
